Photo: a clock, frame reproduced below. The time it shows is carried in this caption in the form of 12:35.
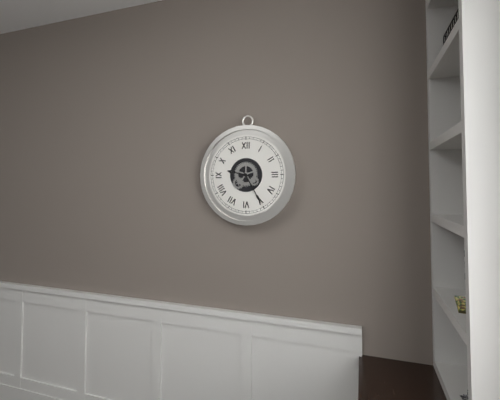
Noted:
9:25
